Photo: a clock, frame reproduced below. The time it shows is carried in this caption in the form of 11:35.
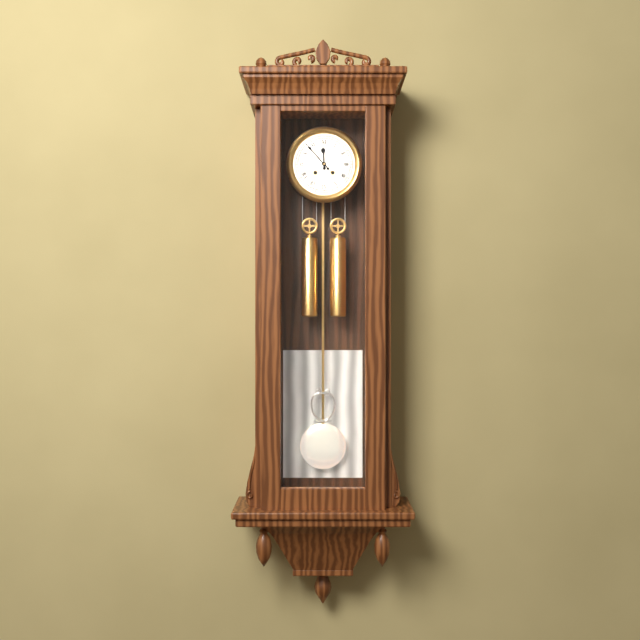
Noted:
11:53
